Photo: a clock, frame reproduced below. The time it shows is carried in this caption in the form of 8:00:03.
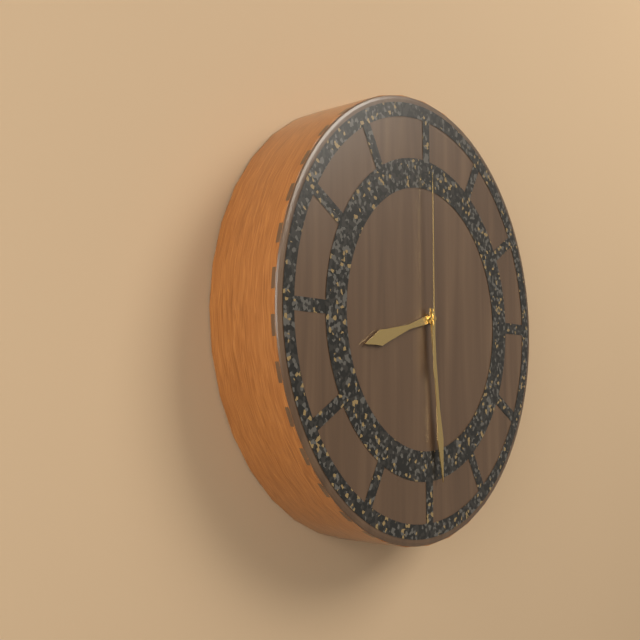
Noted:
8:29:00
